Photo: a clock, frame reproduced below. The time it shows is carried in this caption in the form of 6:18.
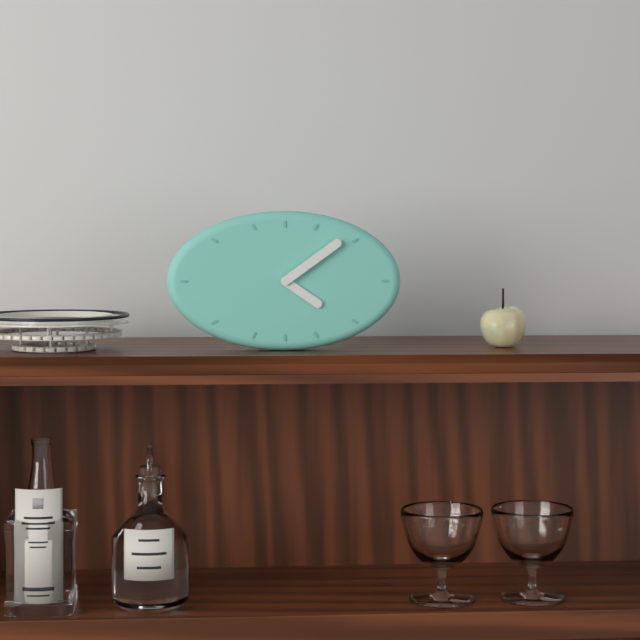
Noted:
4:09
